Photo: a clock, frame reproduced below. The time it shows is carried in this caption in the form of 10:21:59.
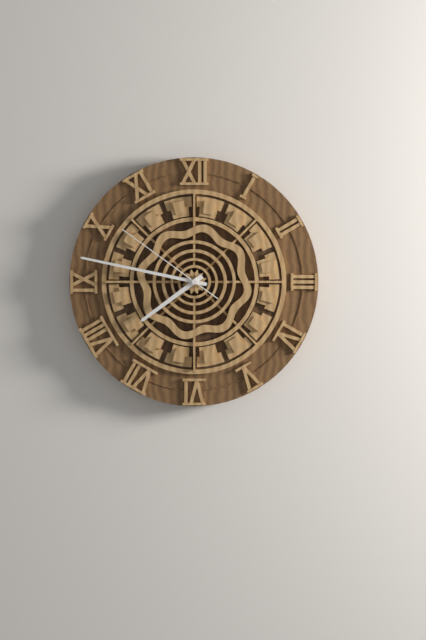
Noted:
7:47:51
